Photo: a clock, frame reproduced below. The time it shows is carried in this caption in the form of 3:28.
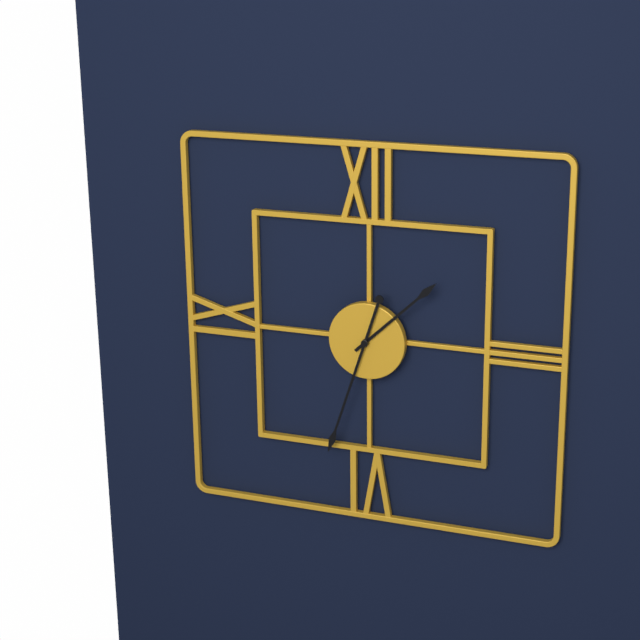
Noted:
1:33
